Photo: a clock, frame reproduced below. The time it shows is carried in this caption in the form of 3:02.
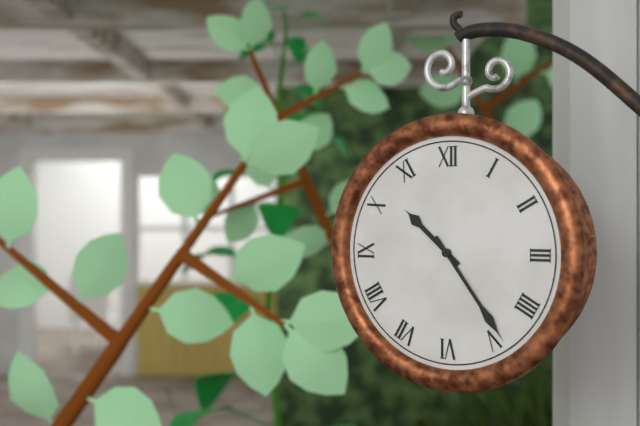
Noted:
10:24
